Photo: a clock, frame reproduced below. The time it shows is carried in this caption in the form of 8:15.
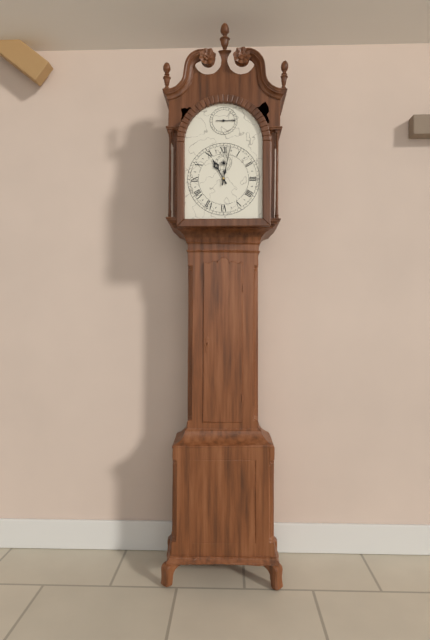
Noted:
11:02
